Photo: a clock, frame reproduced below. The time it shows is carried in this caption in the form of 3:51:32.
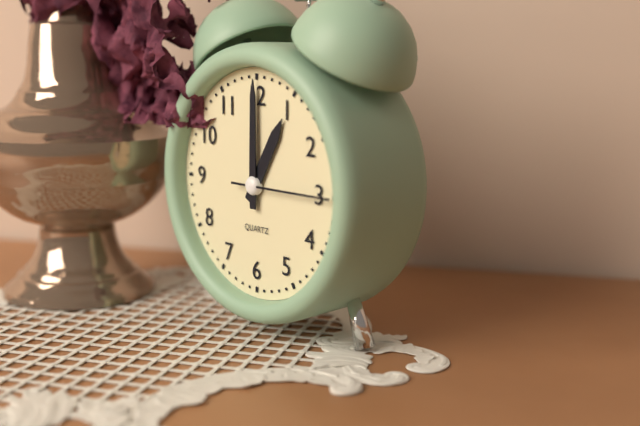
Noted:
1:00:15
